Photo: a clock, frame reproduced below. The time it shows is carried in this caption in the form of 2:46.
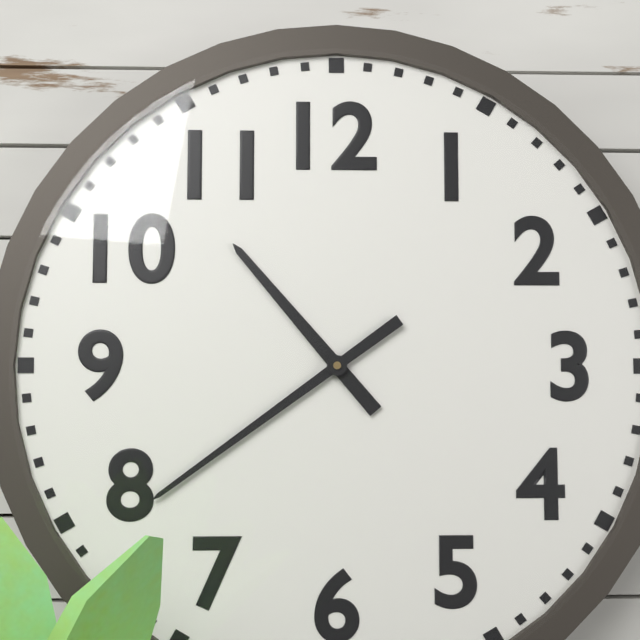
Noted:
10:39
